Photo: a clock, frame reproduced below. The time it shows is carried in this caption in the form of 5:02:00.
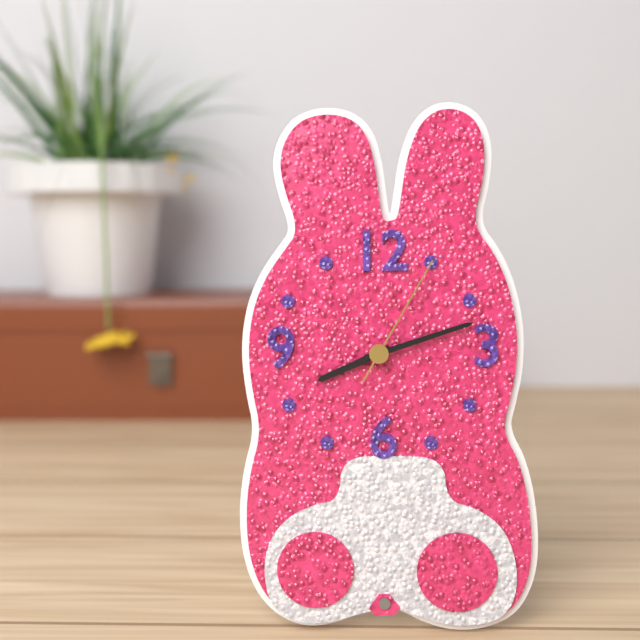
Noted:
8:12:05
